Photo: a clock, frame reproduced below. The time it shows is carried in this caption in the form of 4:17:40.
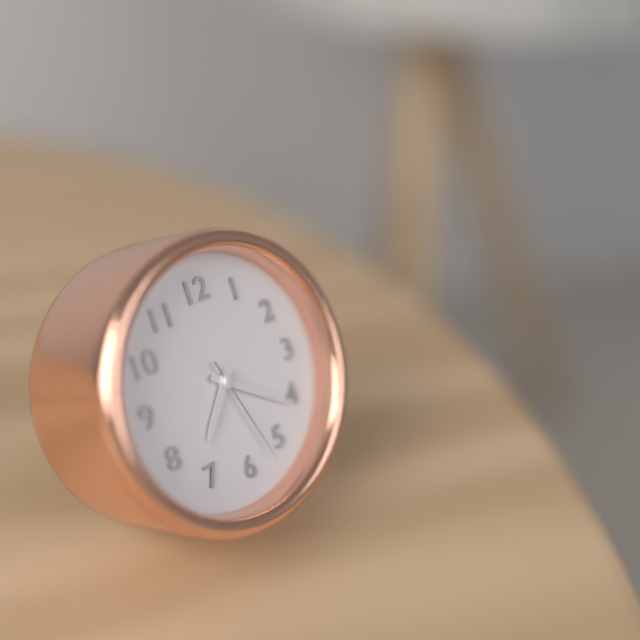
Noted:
7:21:27
